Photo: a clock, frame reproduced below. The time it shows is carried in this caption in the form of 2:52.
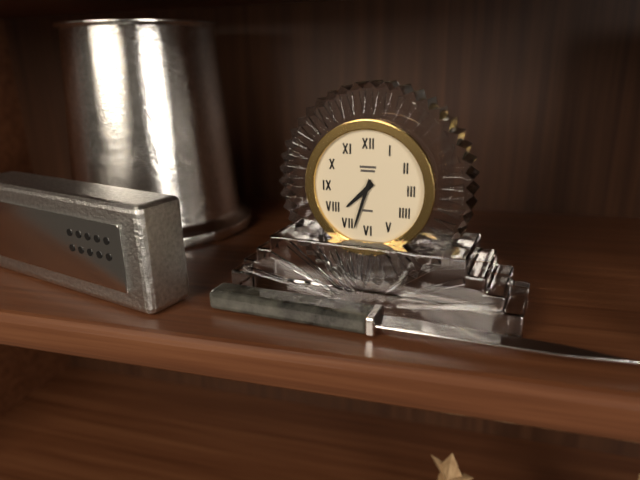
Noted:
7:33
